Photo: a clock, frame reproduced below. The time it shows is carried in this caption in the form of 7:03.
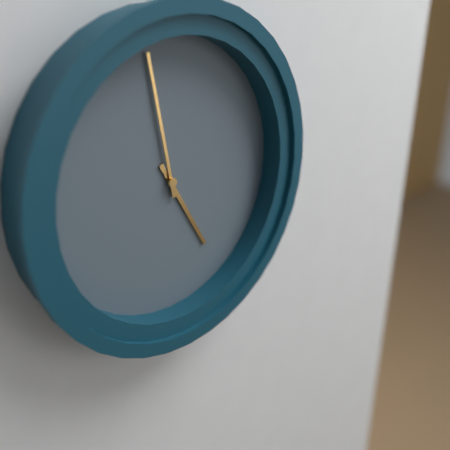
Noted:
4:58
